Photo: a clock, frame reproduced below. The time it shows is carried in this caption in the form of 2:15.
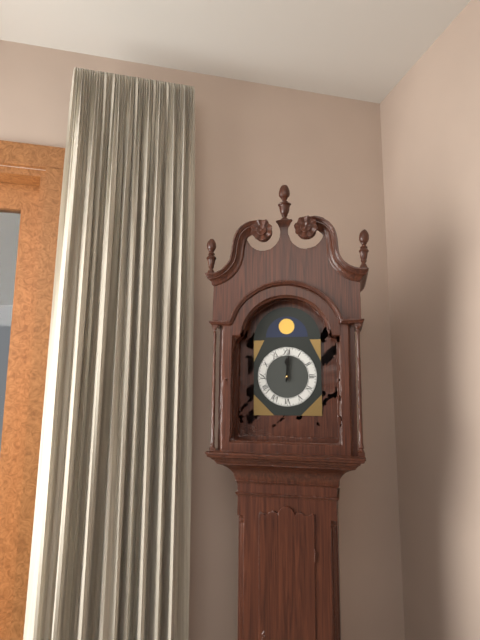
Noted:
12:01
